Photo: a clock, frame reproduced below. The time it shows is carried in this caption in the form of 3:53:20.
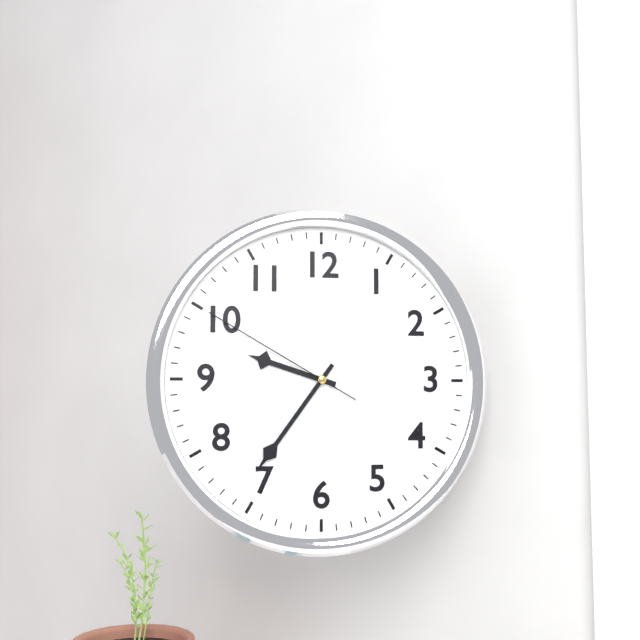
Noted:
9:36:50
